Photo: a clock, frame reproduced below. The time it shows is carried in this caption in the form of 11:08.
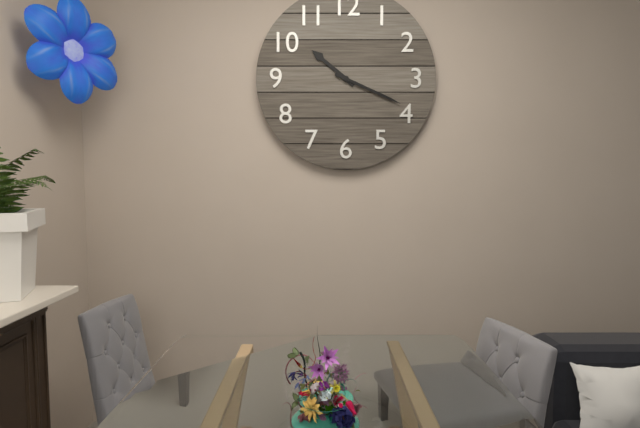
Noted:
10:19
